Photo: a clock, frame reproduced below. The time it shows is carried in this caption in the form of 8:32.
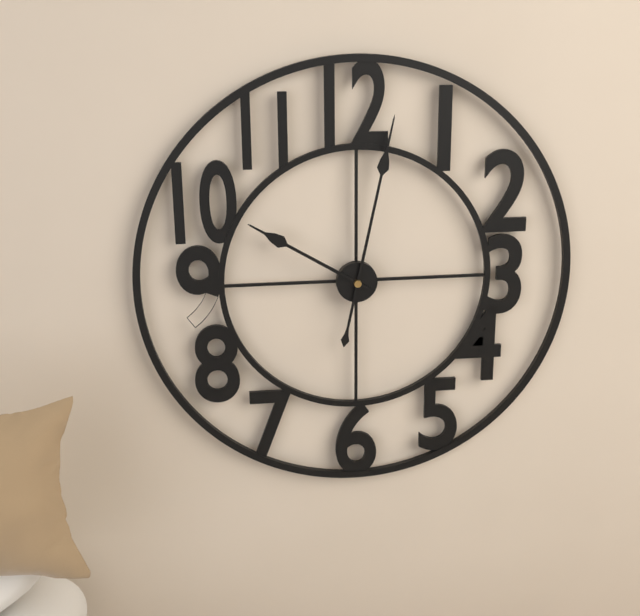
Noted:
10:02
